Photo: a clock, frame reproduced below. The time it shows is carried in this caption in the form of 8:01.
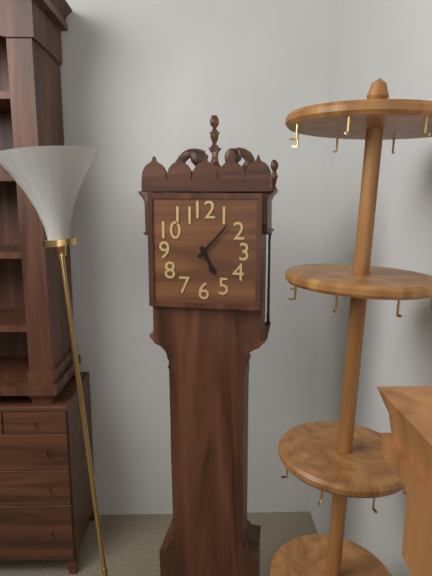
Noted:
5:07
